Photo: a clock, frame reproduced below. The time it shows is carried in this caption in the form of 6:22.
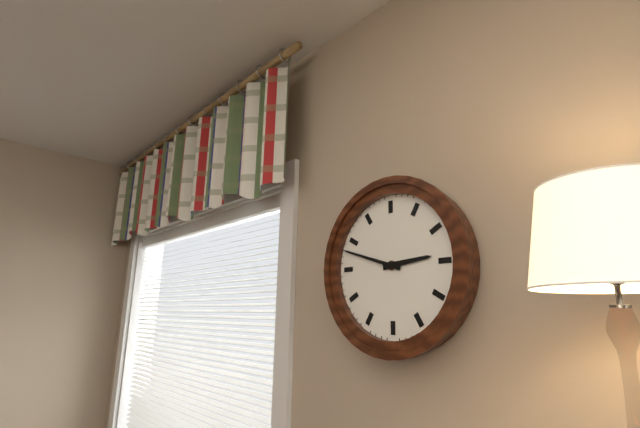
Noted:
2:48
